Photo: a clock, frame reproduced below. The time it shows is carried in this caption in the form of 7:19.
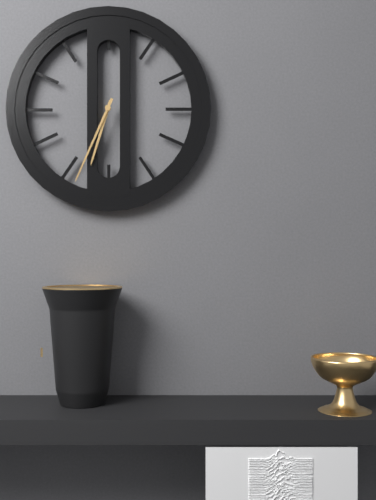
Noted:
6:34
